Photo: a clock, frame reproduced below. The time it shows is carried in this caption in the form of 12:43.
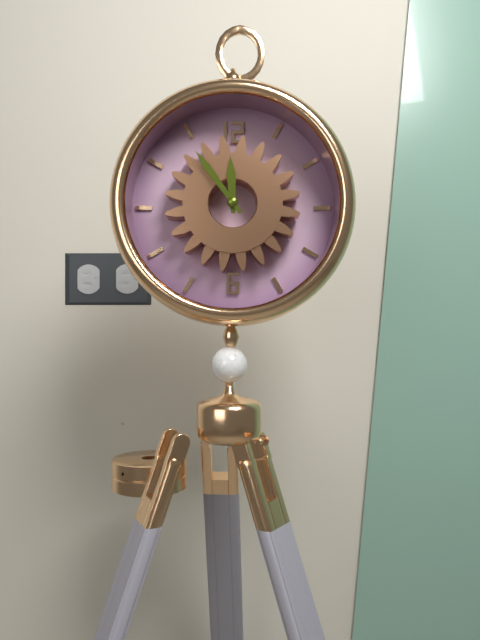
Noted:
11:54
